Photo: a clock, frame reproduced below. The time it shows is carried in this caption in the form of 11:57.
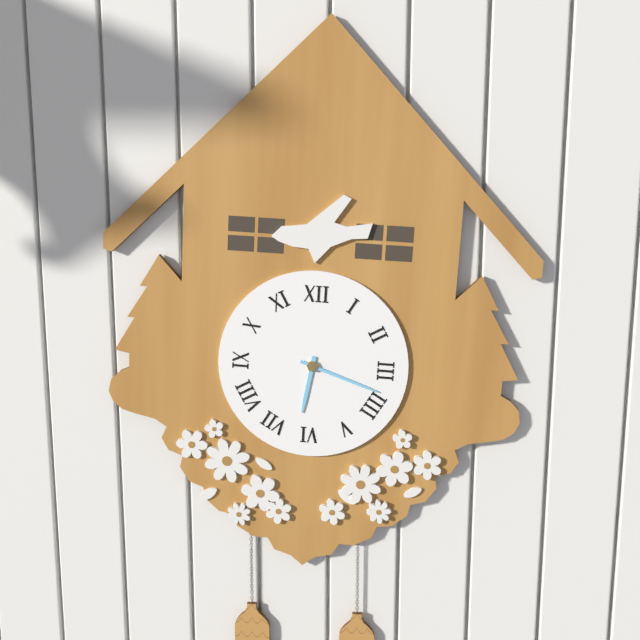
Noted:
6:18
